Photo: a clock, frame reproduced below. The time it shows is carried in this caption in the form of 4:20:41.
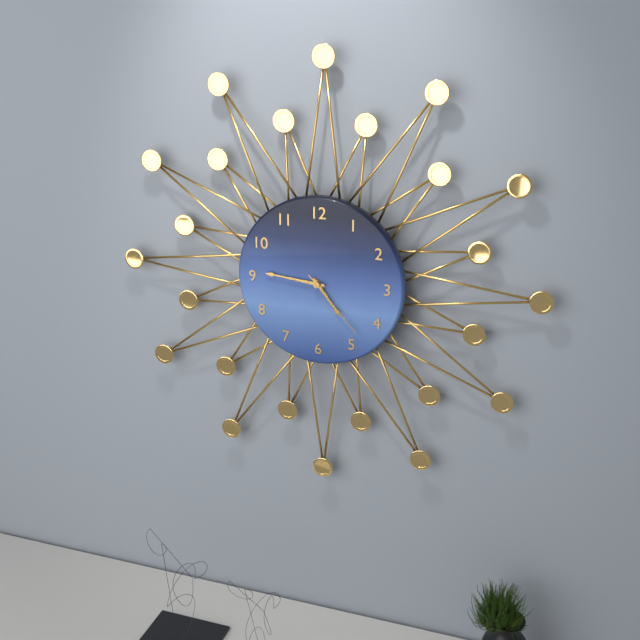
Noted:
4:46:23
